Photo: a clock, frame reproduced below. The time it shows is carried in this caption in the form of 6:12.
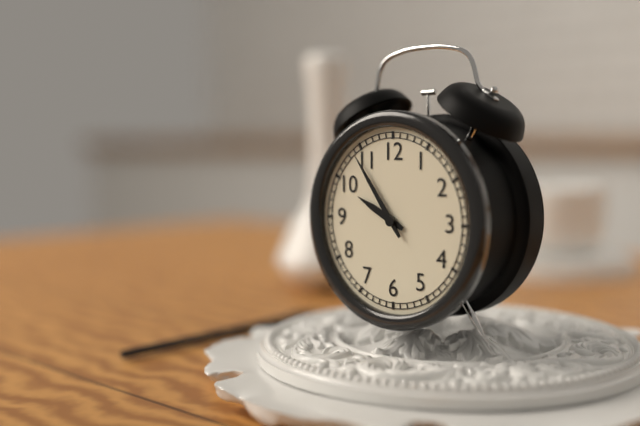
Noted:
9:54
